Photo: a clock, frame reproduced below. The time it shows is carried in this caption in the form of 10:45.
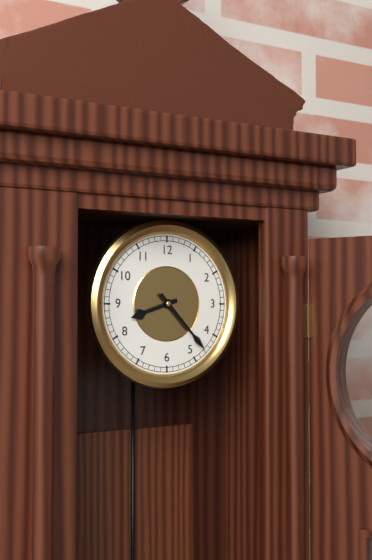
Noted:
8:23
